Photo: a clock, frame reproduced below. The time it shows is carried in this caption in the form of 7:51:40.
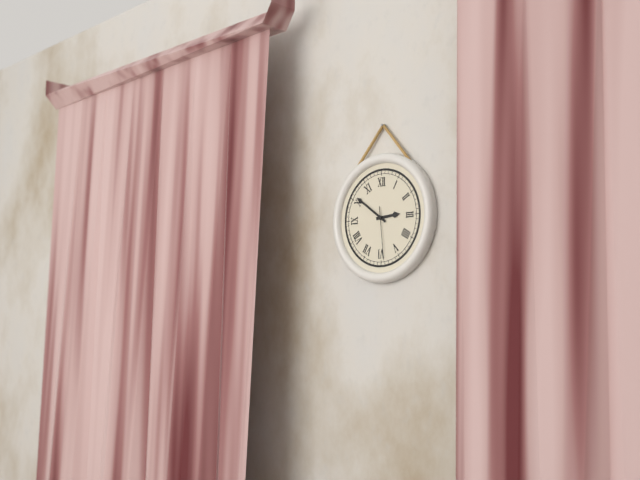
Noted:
2:51:29
